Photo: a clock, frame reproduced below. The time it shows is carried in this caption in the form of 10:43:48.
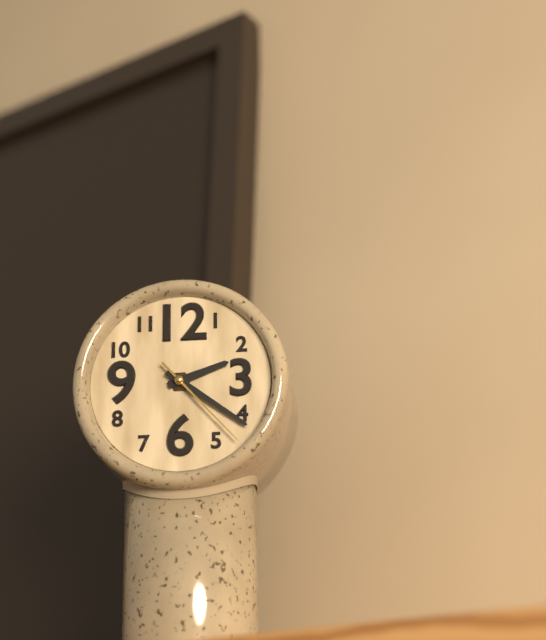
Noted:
2:21:23
